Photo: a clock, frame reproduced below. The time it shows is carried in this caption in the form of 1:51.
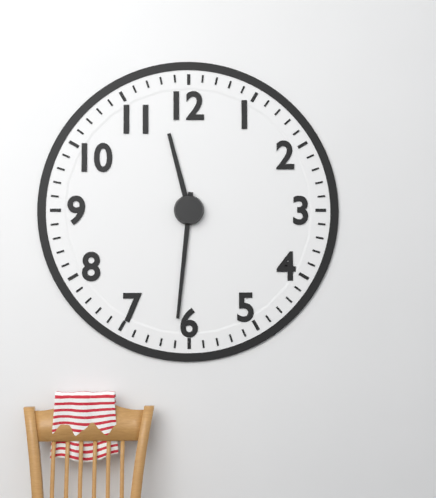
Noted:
11:31
